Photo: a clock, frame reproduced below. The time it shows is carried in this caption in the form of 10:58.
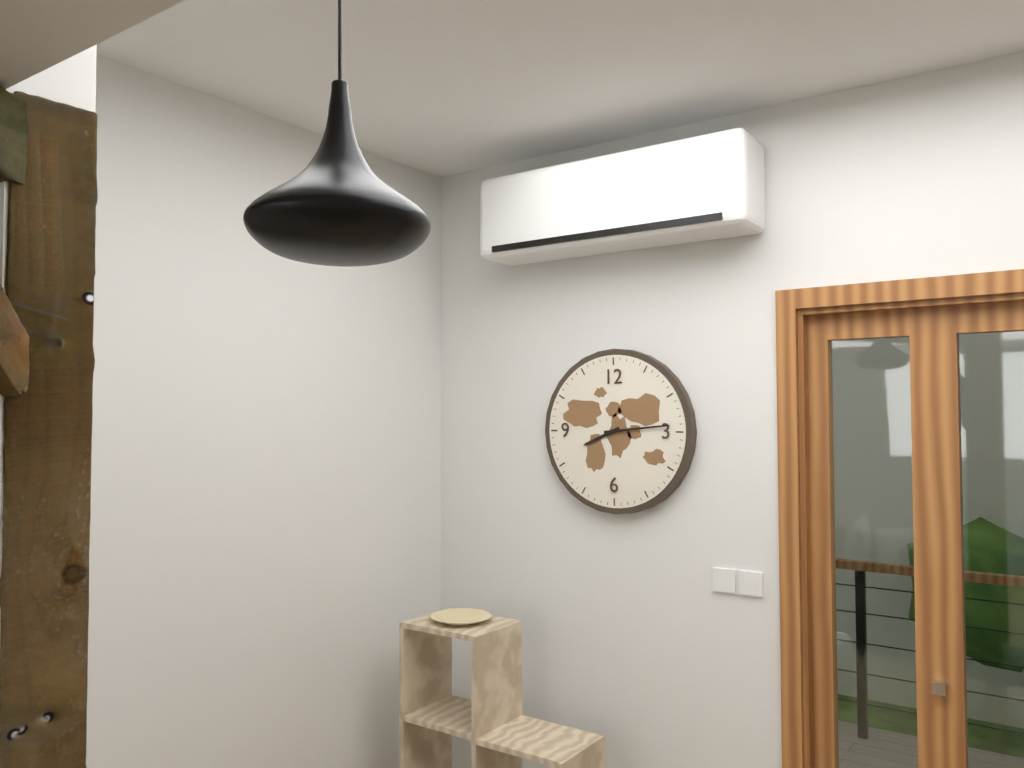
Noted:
8:14
